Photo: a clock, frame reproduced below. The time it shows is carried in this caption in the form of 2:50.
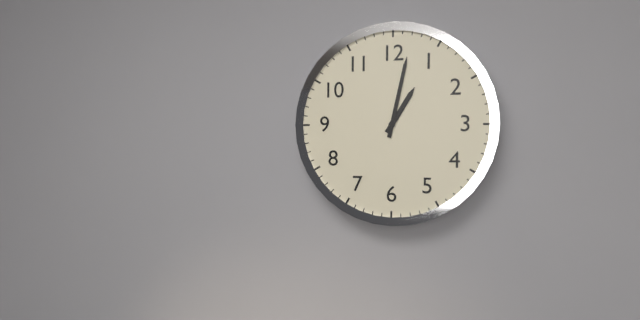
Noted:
1:02
